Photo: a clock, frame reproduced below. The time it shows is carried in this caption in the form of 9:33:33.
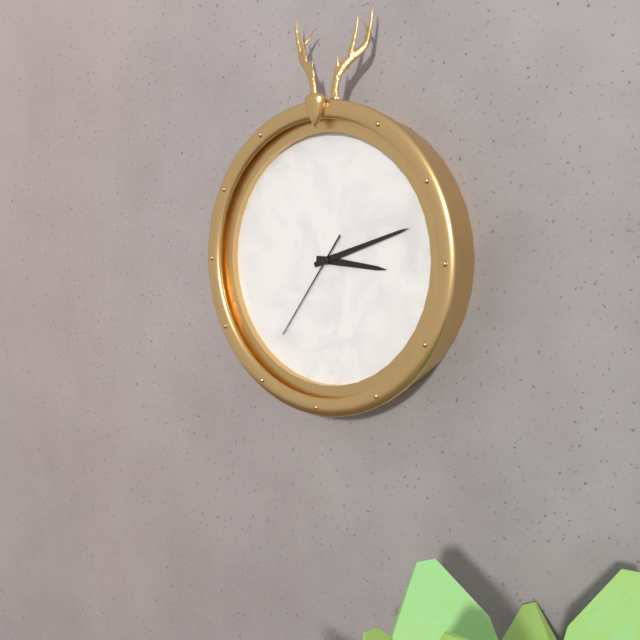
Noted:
3:12:36
